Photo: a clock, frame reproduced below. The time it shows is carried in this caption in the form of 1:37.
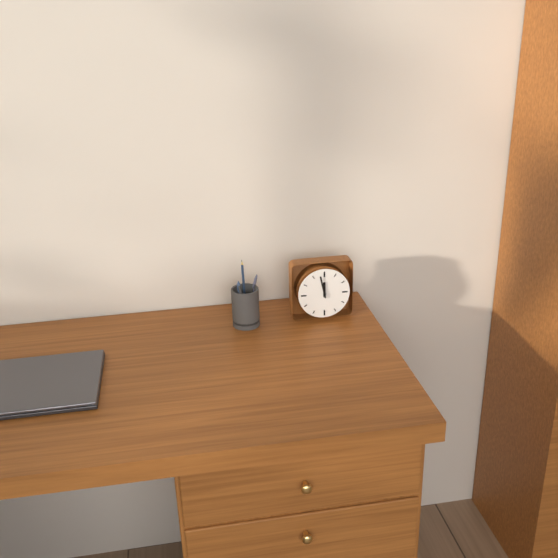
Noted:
11:58
